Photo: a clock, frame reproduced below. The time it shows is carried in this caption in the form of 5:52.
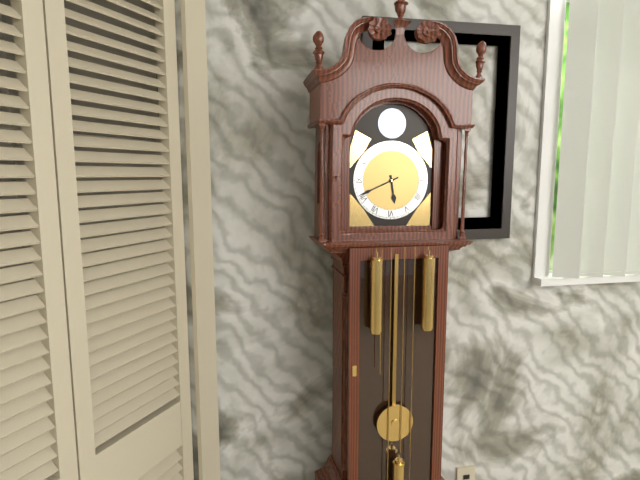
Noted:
5:41
